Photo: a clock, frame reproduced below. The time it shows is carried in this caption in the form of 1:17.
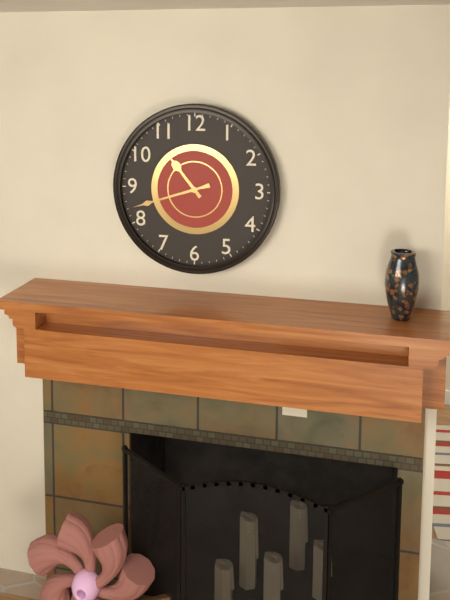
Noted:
10:42
